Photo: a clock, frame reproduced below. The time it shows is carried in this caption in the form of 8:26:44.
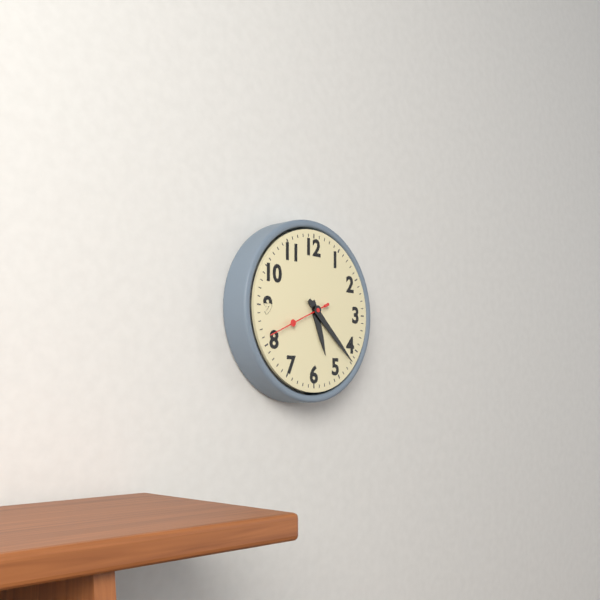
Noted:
5:22:41
